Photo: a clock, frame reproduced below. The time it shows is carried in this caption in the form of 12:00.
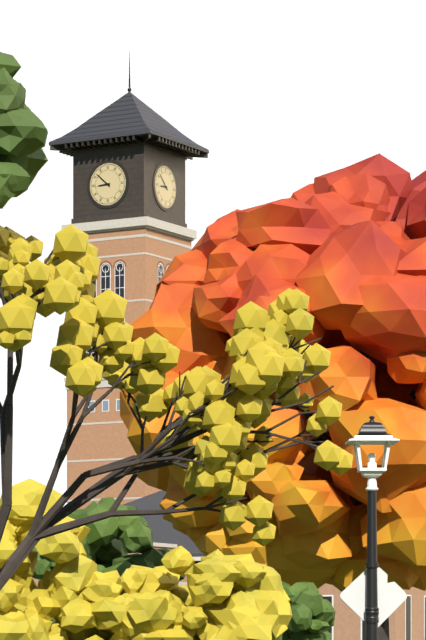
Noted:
8:52
